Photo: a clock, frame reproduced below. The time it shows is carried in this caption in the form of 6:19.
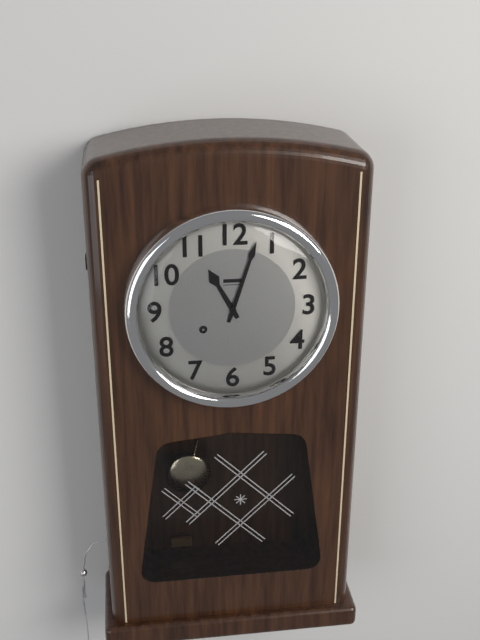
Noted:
11:03
